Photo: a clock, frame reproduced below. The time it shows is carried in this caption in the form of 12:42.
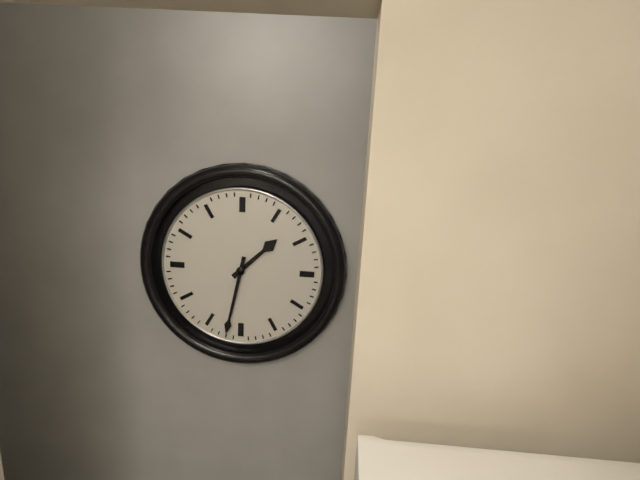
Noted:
1:32
